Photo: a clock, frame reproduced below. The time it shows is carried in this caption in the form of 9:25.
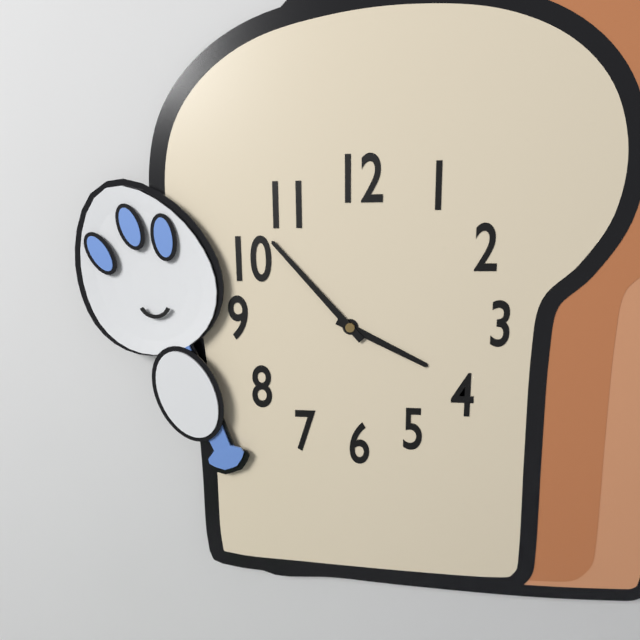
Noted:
3:53
